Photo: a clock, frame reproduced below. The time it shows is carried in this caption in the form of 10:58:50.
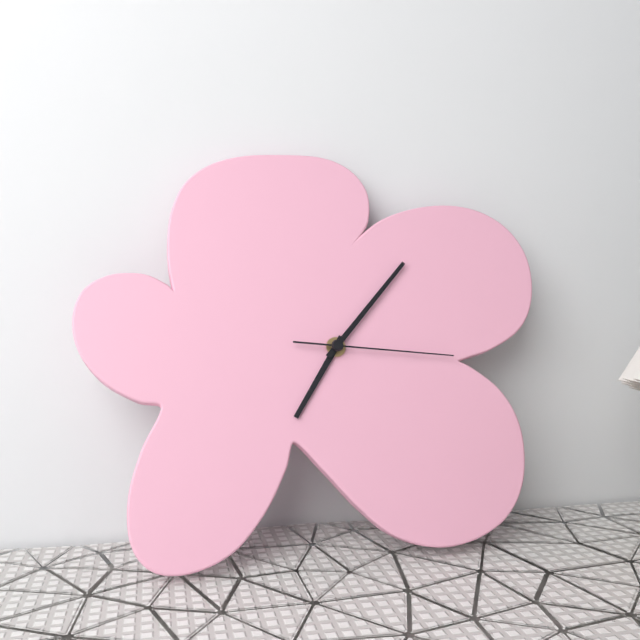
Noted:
7:07:16
